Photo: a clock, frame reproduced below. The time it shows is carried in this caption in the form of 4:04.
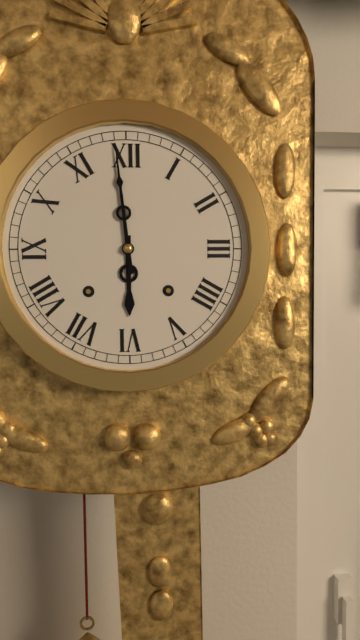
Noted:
5:59
